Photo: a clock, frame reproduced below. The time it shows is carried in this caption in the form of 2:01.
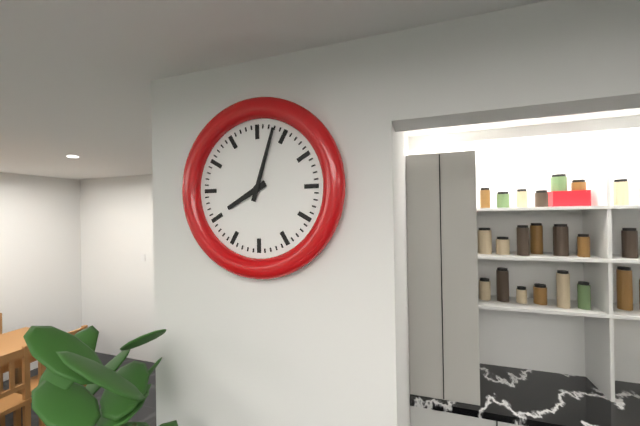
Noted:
8:03
